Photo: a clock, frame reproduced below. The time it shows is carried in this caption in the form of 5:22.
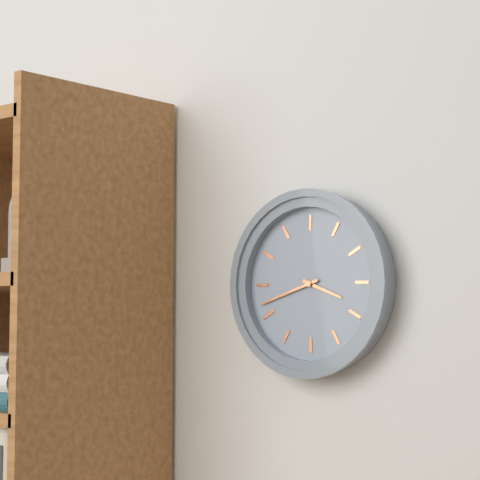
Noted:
3:42
